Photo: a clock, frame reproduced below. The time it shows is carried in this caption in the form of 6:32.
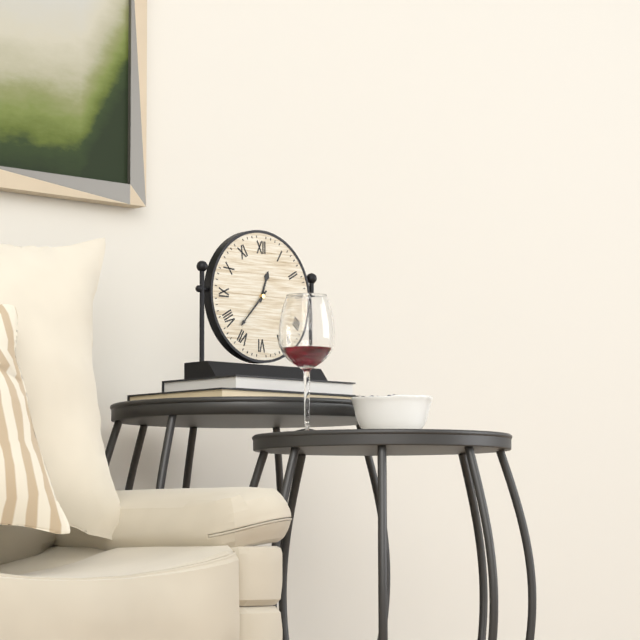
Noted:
12:37
